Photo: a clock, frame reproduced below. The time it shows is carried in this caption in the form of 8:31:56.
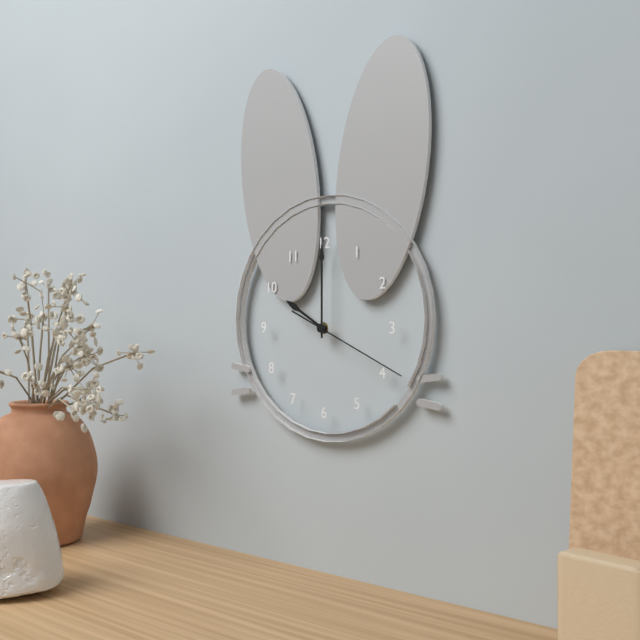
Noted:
10:00:19
